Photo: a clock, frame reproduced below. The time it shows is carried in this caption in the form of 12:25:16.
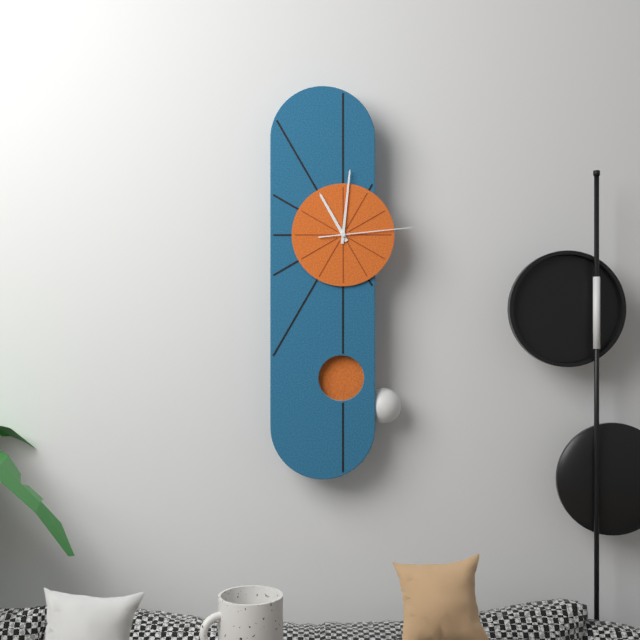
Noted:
11:01:14
